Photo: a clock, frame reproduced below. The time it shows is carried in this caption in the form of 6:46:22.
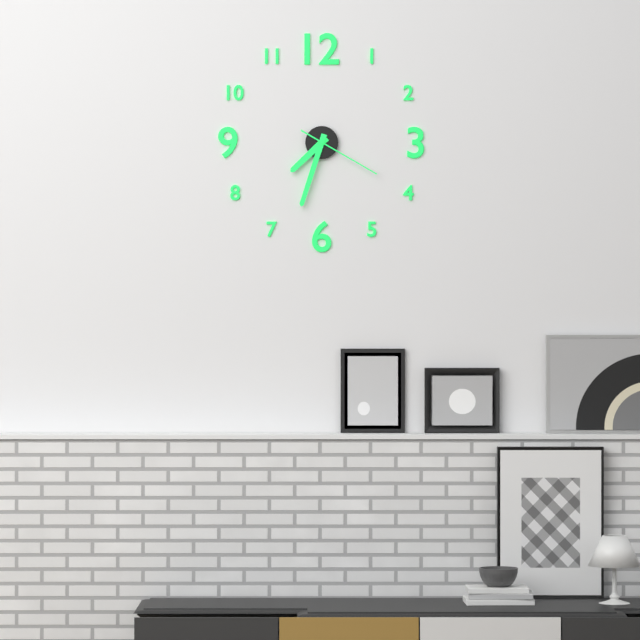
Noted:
7:33:20
